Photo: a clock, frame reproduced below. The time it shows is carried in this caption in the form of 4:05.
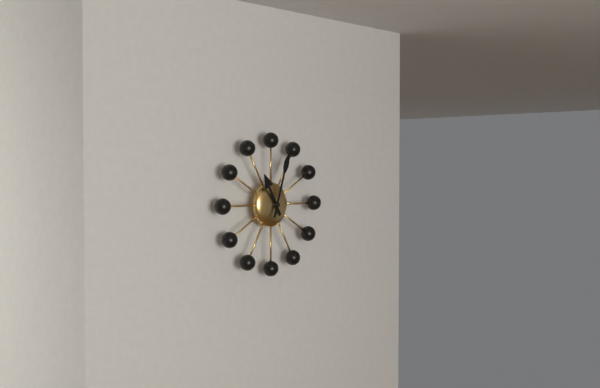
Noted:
11:03
